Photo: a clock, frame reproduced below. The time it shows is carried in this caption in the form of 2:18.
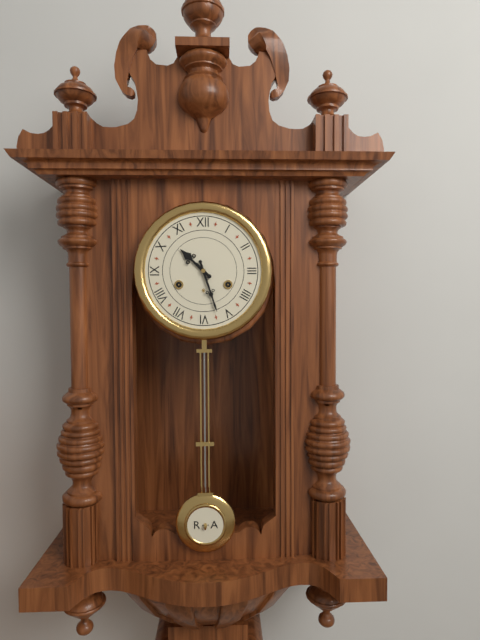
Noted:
10:27
